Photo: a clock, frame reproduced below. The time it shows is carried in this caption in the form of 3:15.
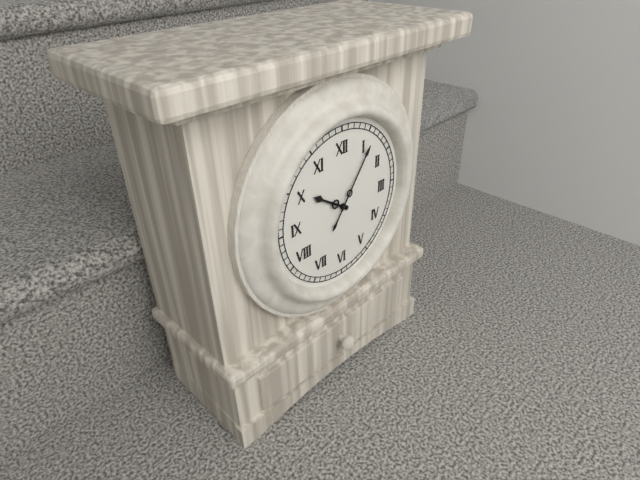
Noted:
10:06
